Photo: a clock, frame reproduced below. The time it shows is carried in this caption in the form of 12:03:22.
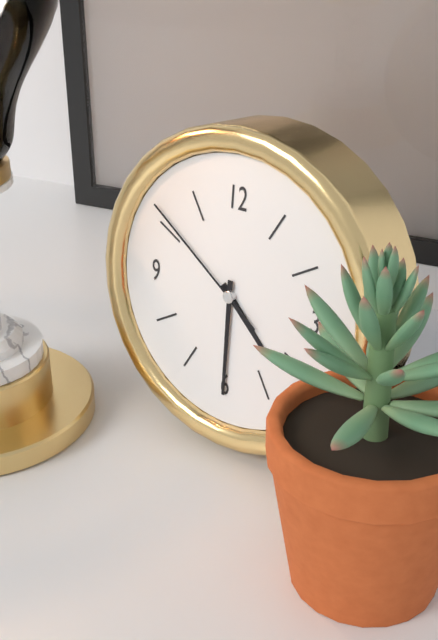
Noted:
4:30:51
